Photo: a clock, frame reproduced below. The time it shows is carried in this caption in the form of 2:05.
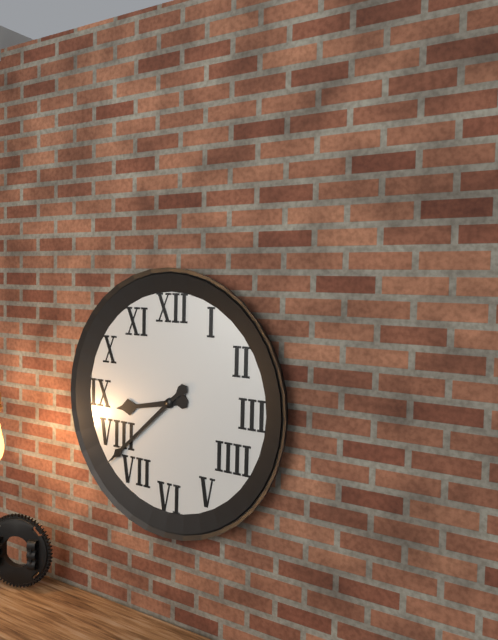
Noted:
8:38
